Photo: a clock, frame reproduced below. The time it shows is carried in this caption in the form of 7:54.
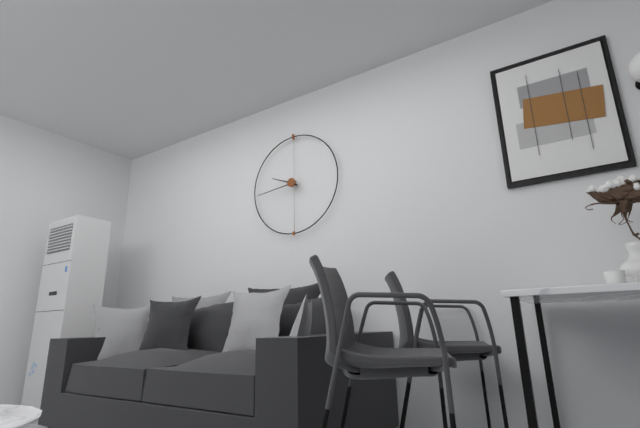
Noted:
9:44
